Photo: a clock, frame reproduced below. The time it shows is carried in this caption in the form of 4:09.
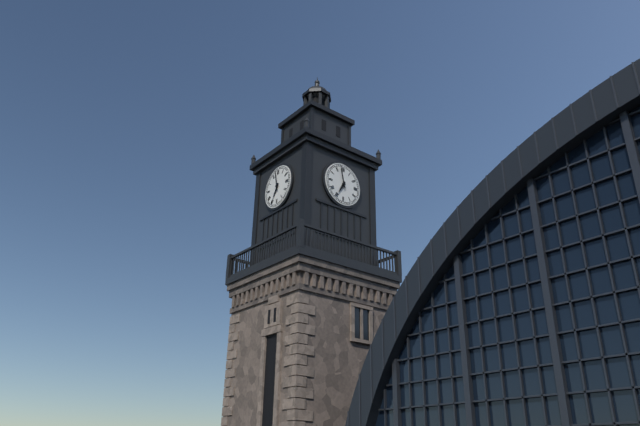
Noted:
6:58
